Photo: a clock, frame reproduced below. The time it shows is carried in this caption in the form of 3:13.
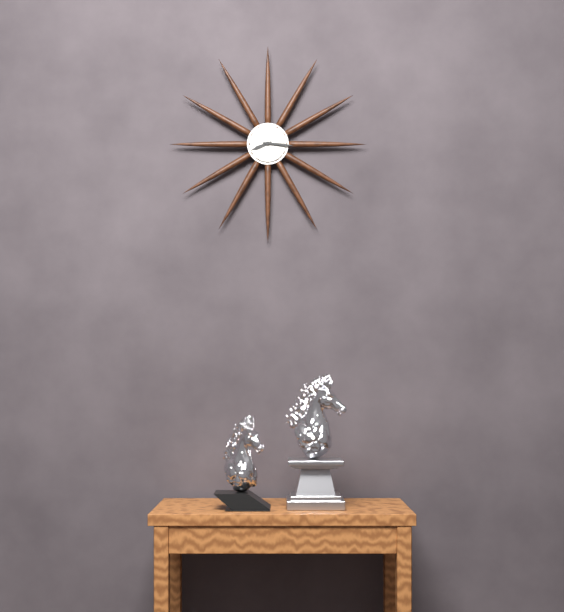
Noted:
8:16
